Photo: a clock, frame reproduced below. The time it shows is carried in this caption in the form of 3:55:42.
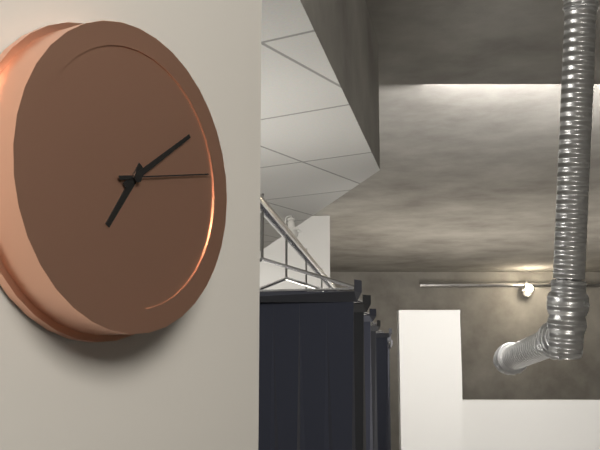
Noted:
7:09:13
